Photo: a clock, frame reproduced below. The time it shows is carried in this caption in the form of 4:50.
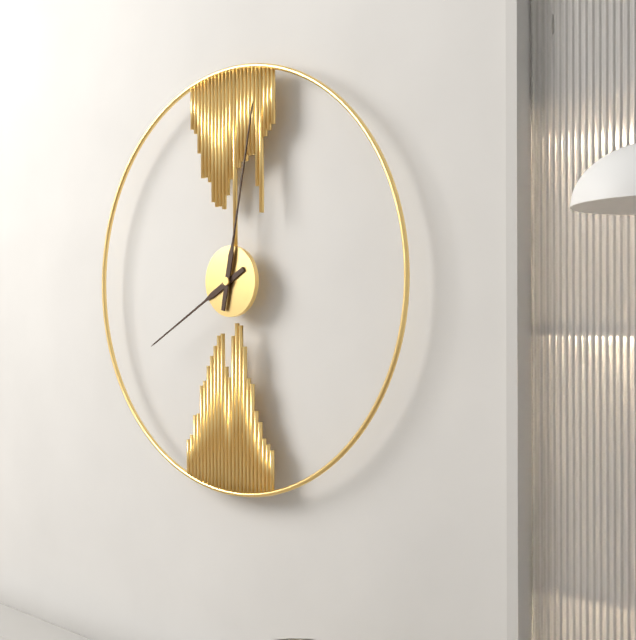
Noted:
8:02
